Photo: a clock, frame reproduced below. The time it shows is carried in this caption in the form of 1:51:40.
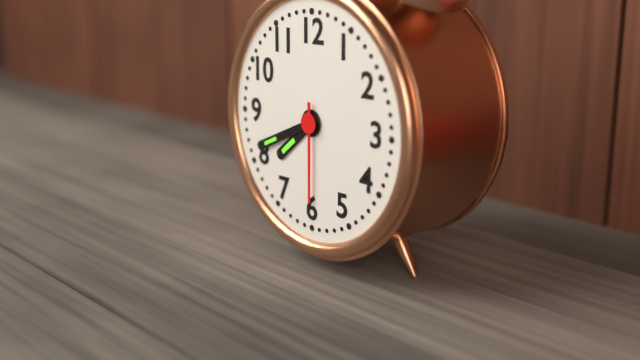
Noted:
7:41:30
